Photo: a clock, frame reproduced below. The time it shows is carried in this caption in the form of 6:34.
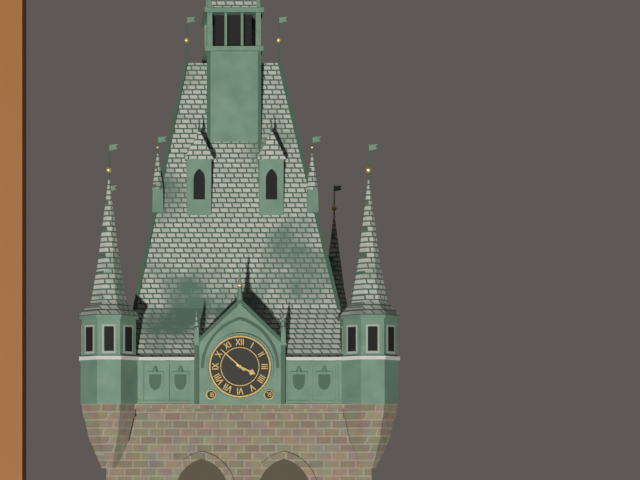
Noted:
3:52
